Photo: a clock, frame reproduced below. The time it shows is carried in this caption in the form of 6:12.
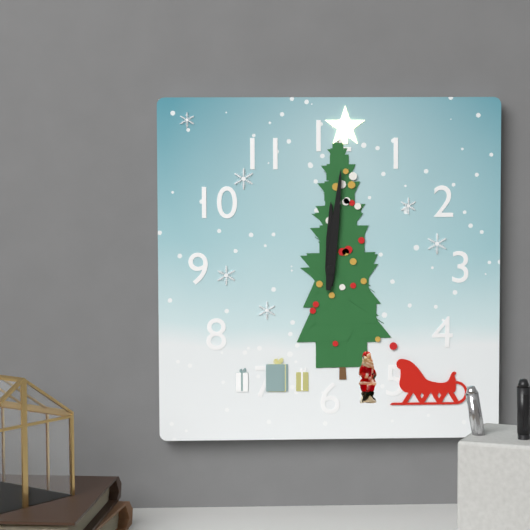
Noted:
12:01
